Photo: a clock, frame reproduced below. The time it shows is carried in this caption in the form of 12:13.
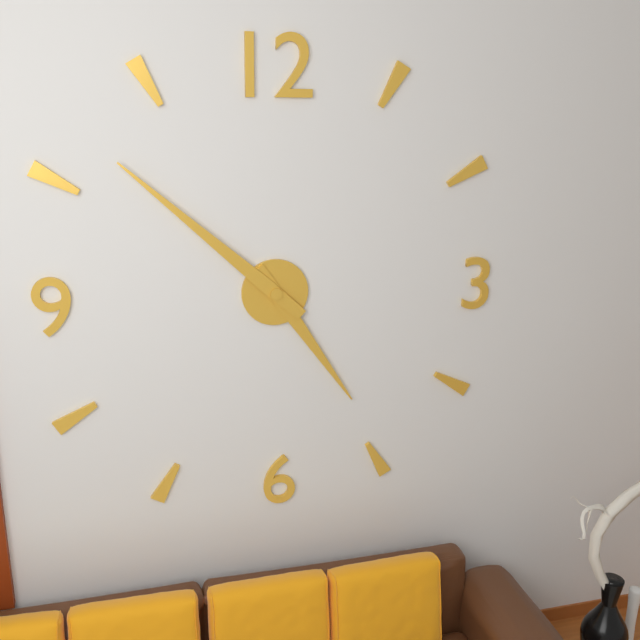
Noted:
4:52
